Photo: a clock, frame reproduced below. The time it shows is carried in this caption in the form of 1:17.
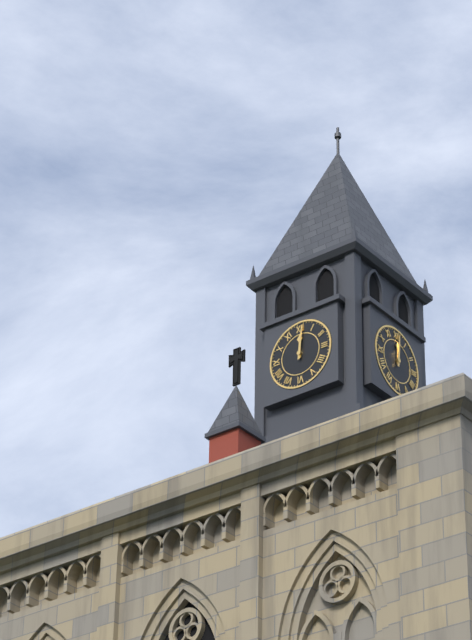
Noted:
12:01
